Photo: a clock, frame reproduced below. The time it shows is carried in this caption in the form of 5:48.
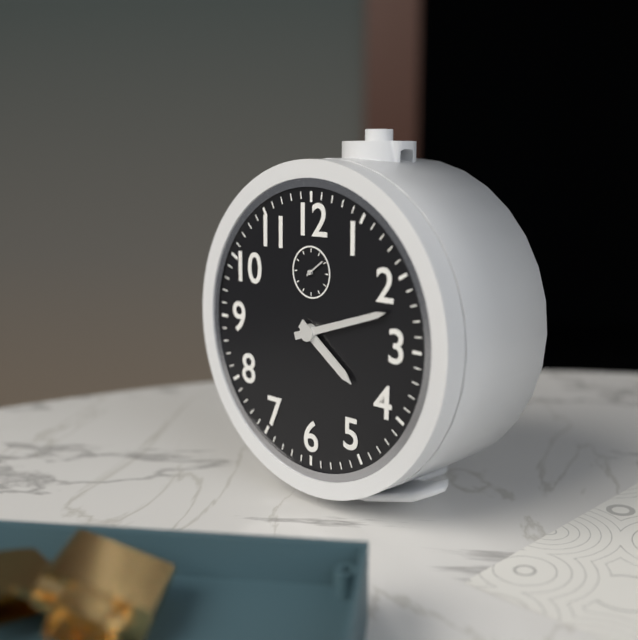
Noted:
4:12
